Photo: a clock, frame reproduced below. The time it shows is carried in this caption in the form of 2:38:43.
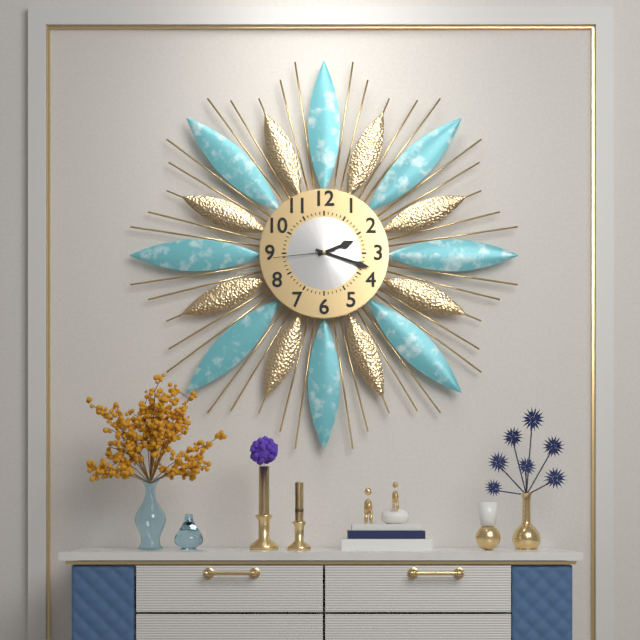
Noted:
2:18:44
